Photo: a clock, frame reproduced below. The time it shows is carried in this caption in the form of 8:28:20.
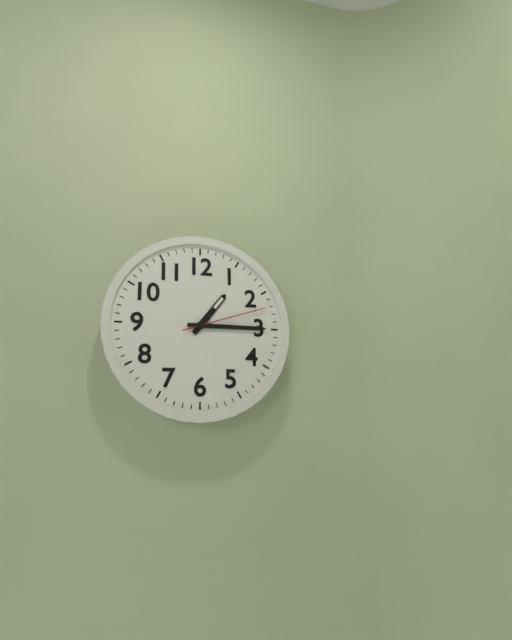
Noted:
1:15:12
